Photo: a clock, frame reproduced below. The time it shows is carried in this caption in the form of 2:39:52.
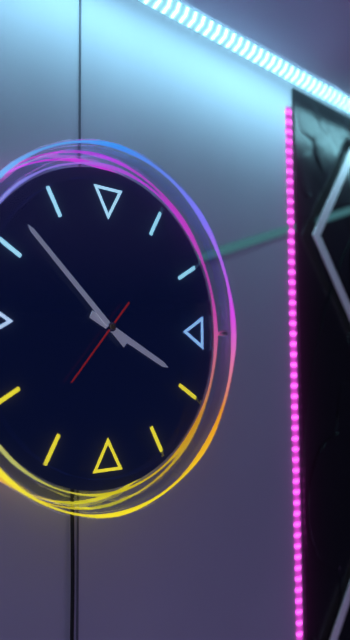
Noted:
3:52:37
